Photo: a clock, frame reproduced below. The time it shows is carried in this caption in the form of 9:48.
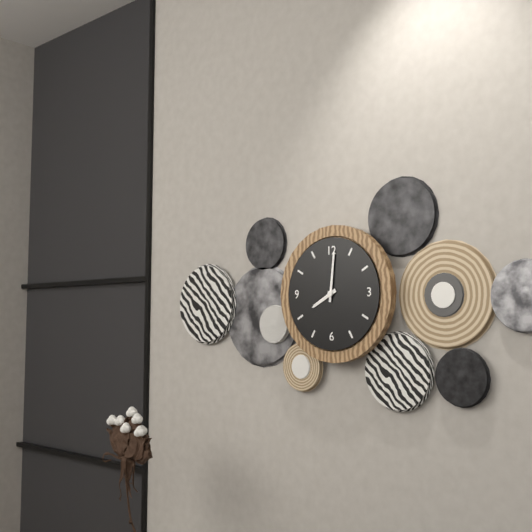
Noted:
8:01
